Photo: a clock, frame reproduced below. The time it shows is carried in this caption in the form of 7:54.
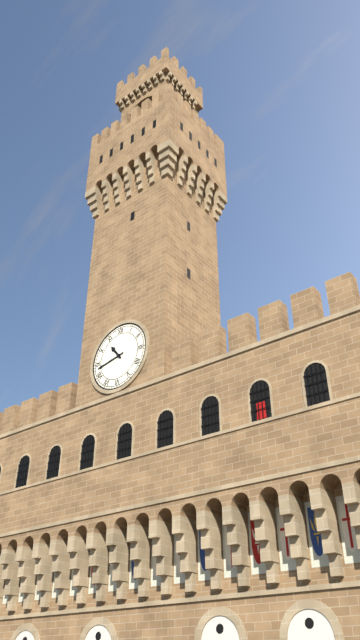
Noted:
10:43
